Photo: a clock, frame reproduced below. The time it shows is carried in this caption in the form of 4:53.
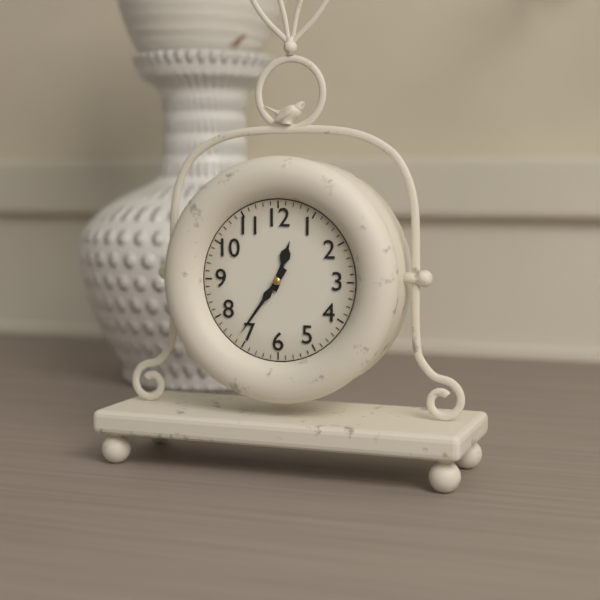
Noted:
12:36
